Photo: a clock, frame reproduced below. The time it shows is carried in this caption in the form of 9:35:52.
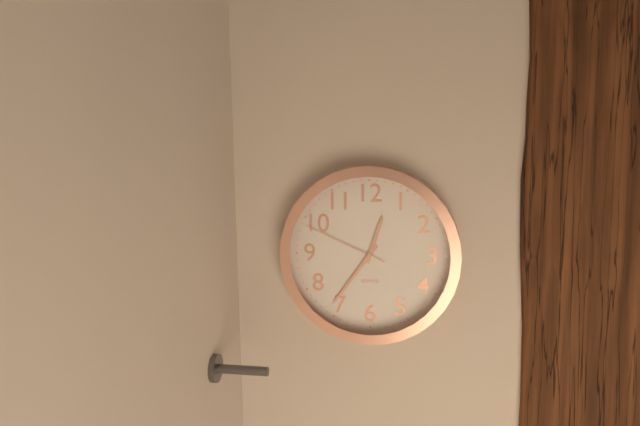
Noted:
12:36:49
